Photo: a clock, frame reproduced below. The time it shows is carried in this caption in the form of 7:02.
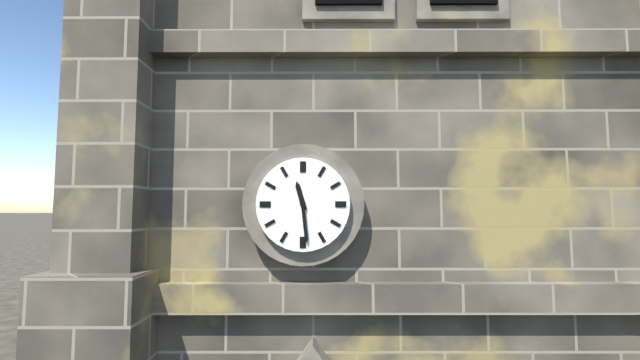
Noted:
11:29
